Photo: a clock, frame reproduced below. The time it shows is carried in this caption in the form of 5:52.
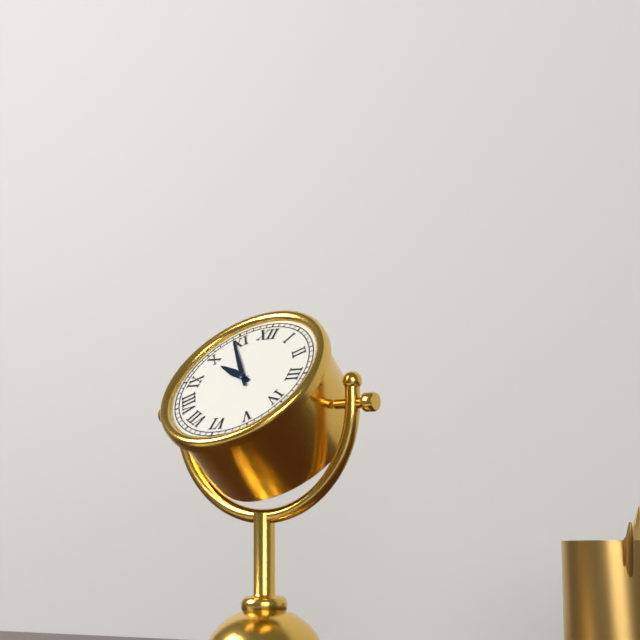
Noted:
9:54
